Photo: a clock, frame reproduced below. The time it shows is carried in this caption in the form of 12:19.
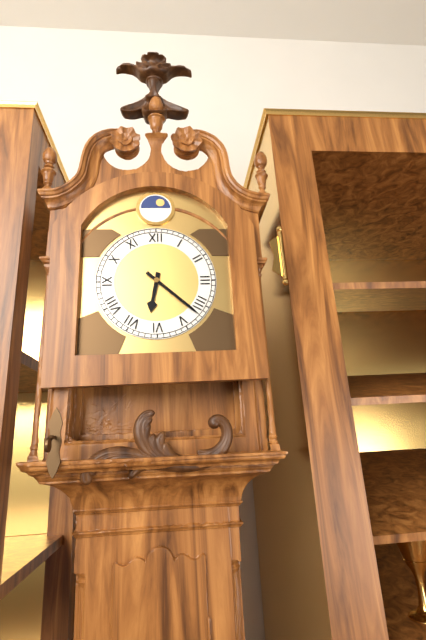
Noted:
6:22
